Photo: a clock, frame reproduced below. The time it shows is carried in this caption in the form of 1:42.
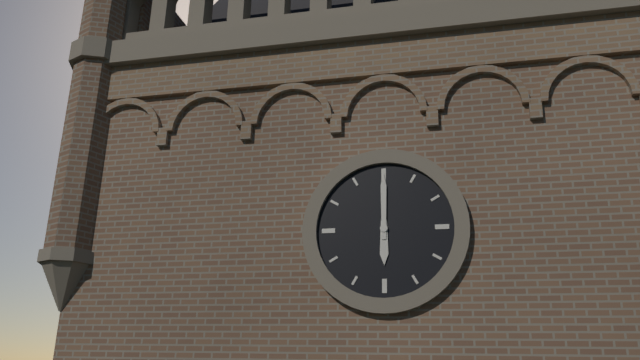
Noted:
6:00
